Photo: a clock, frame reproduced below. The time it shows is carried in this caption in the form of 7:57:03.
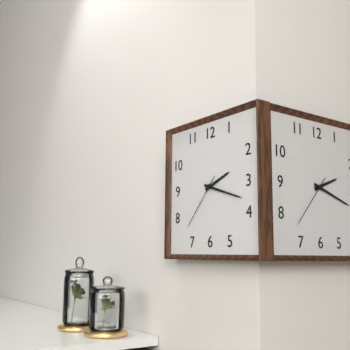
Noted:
2:18:37
